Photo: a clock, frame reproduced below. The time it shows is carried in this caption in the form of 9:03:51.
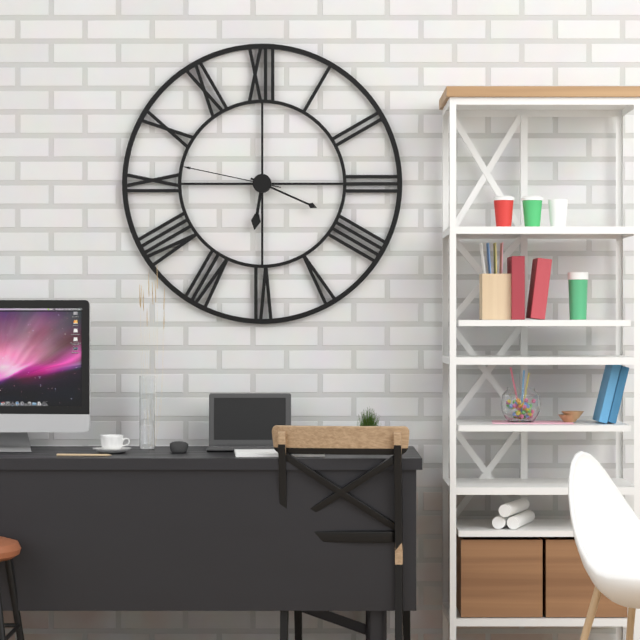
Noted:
6:19:47
